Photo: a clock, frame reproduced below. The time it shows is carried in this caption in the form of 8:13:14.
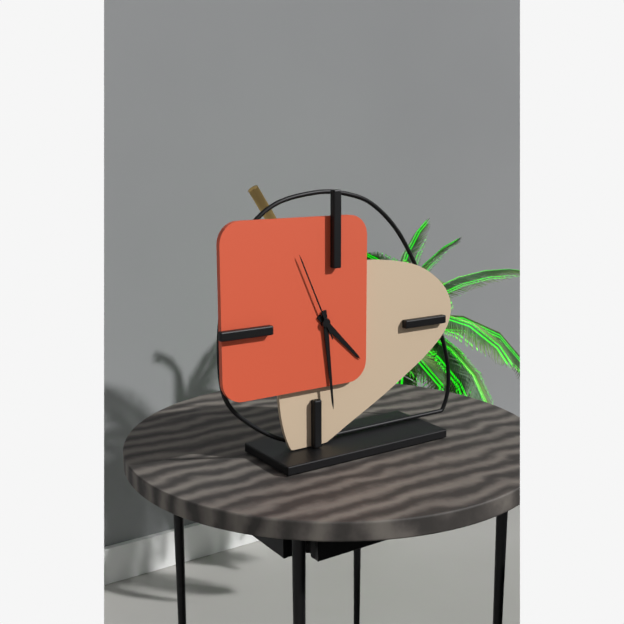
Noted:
4:29:56
